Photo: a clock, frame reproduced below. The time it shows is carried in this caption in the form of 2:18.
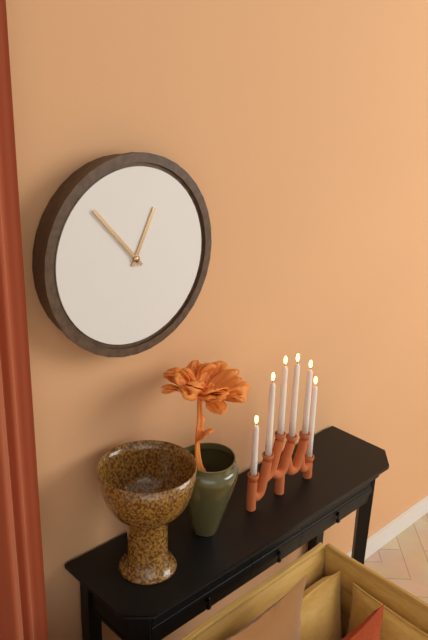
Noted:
12:53
